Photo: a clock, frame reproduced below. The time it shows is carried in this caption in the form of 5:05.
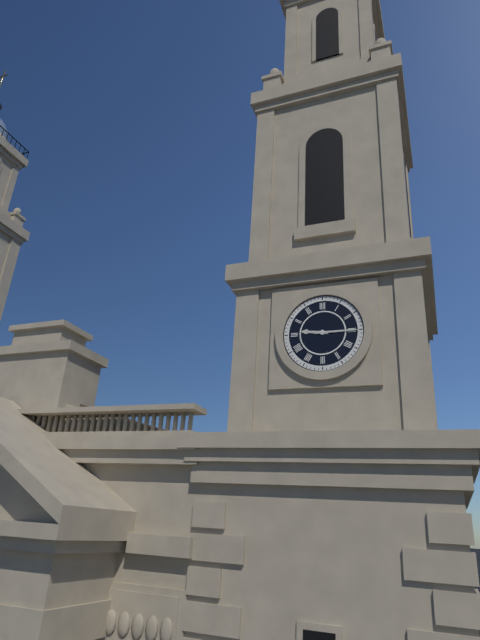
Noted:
9:15
